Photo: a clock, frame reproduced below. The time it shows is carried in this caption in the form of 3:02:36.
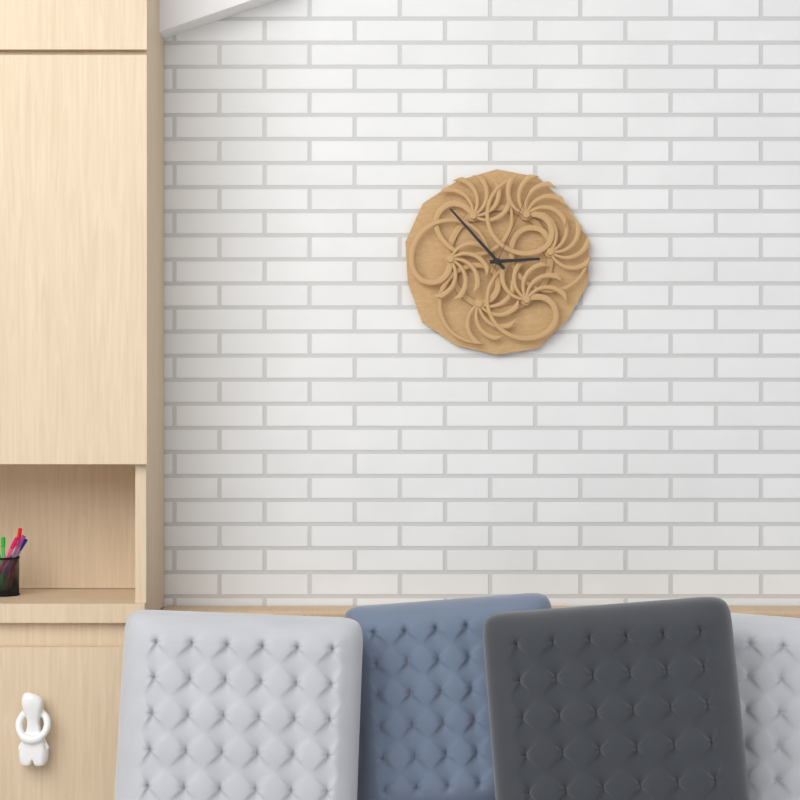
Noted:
2:53:04
